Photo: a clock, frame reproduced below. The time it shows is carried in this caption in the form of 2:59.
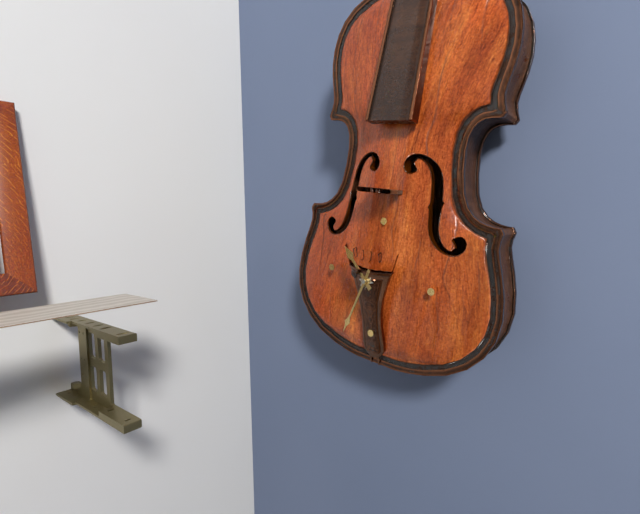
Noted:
10:33
